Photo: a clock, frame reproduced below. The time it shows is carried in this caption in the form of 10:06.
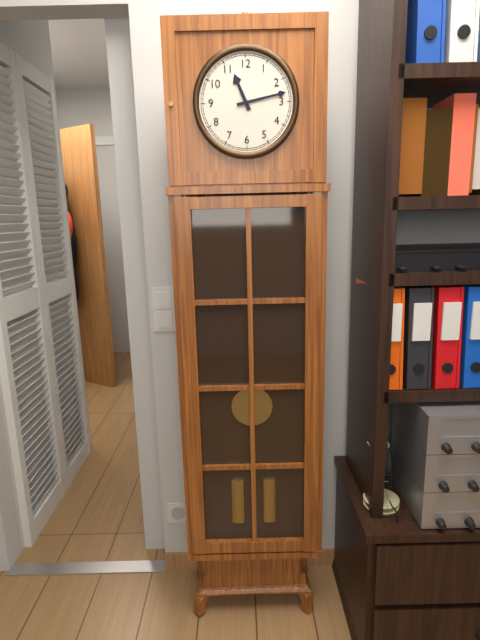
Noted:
11:13
